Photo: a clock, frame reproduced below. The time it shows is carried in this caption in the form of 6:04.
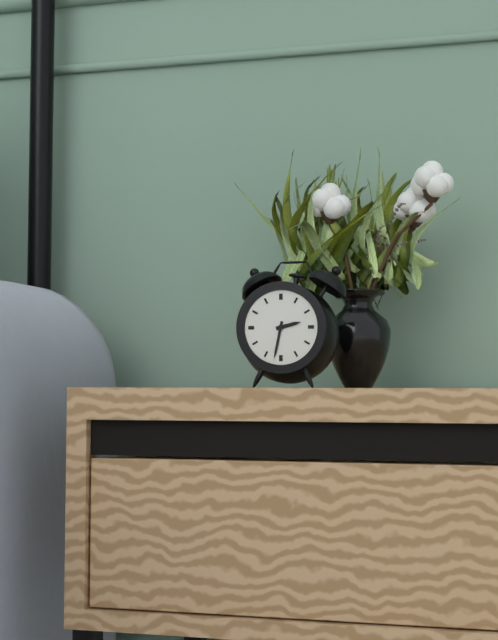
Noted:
2:32
